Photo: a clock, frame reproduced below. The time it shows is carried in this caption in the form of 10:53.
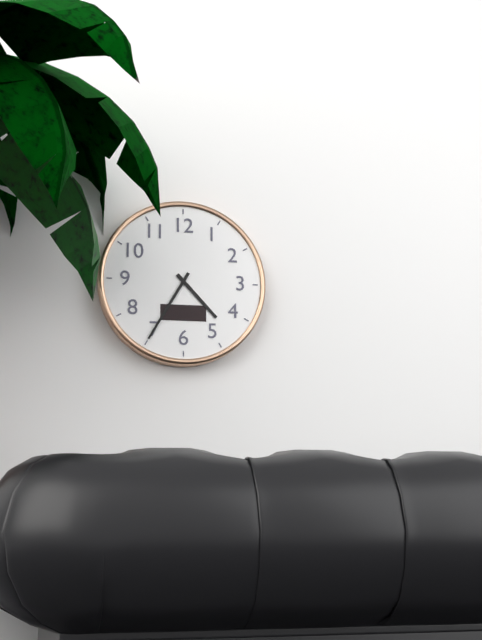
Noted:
4:35
